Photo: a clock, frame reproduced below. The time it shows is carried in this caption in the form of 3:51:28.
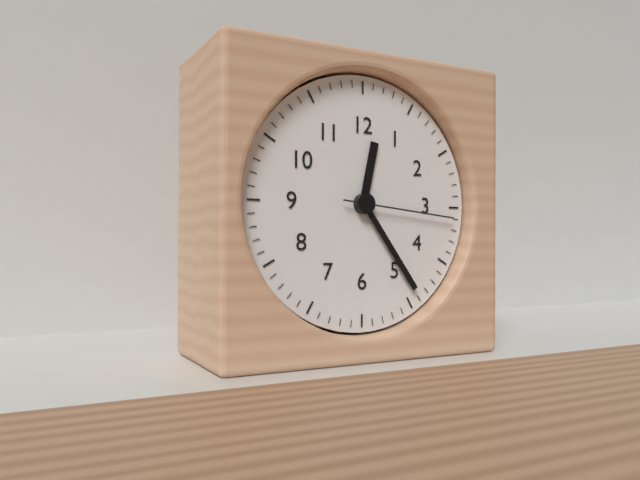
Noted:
12:24:16
